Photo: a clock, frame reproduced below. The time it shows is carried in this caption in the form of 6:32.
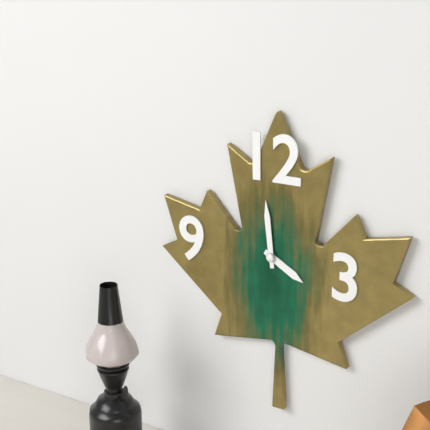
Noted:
3:59
